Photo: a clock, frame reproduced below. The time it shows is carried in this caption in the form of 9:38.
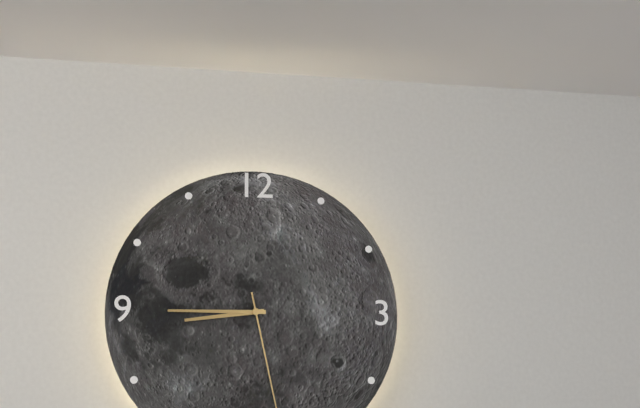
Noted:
8:45
